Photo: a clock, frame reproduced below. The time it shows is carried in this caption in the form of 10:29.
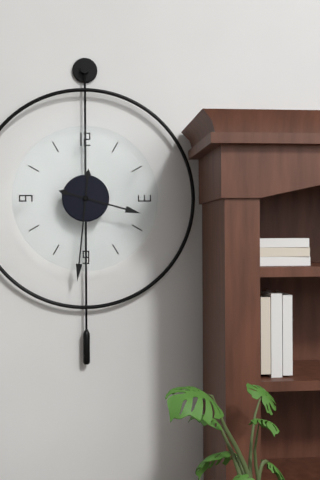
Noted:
3:31
